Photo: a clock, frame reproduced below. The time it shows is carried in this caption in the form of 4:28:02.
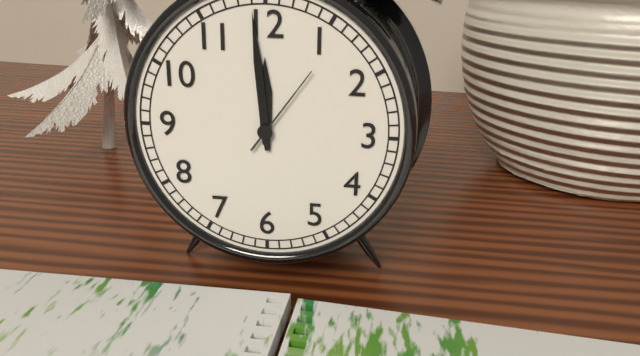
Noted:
11:59:06
